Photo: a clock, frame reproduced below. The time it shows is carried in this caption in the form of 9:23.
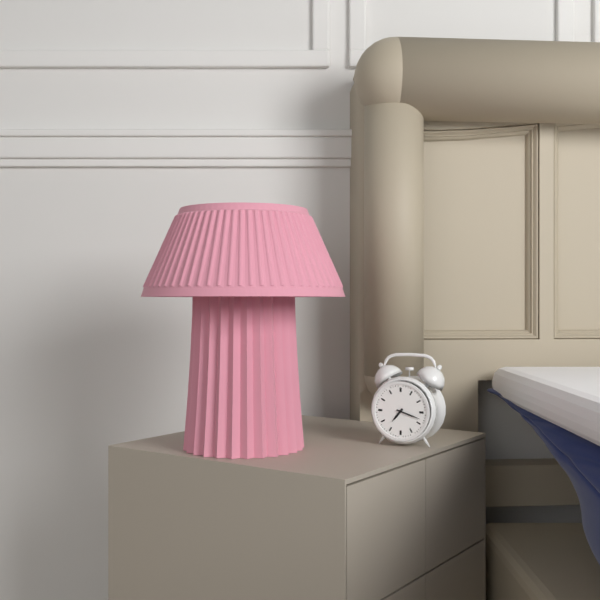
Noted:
7:18
